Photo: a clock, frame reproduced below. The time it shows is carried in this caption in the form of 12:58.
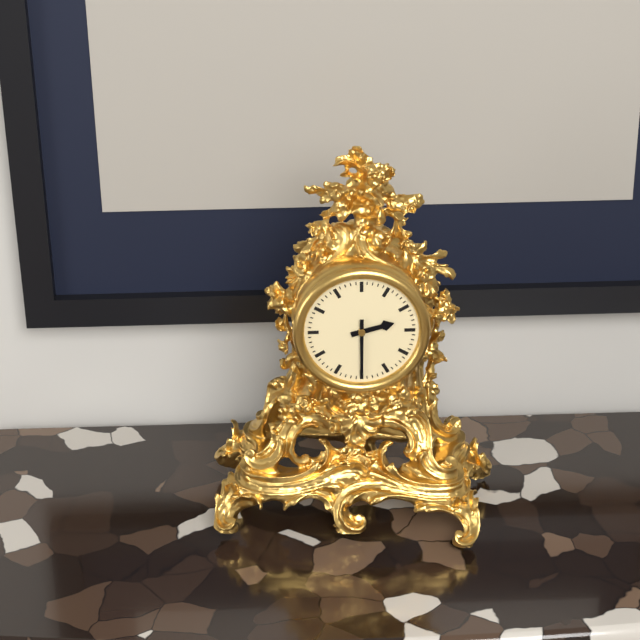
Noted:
2:30
